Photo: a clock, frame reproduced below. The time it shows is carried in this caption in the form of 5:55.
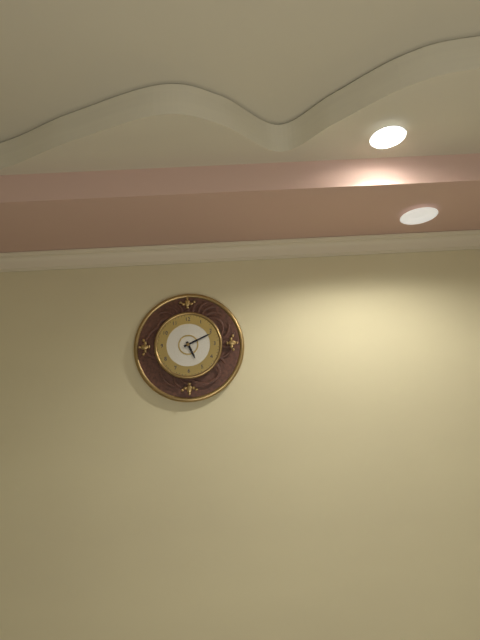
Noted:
5:11
